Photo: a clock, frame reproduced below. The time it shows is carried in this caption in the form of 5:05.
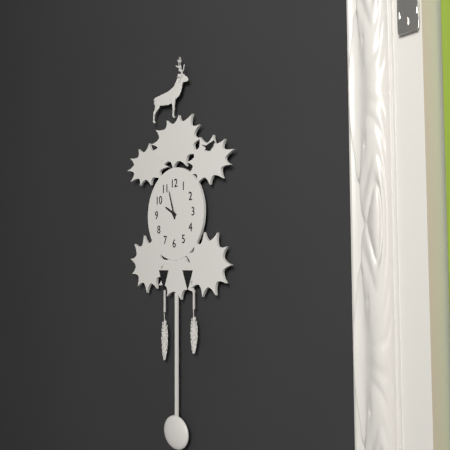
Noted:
9:57
